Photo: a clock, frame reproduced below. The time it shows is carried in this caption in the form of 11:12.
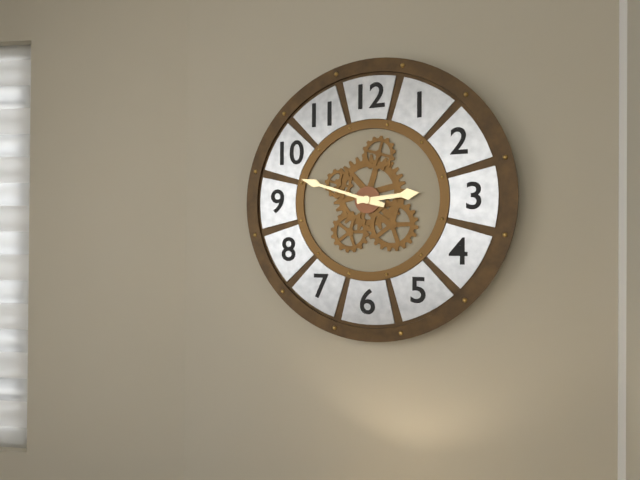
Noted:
2:48
